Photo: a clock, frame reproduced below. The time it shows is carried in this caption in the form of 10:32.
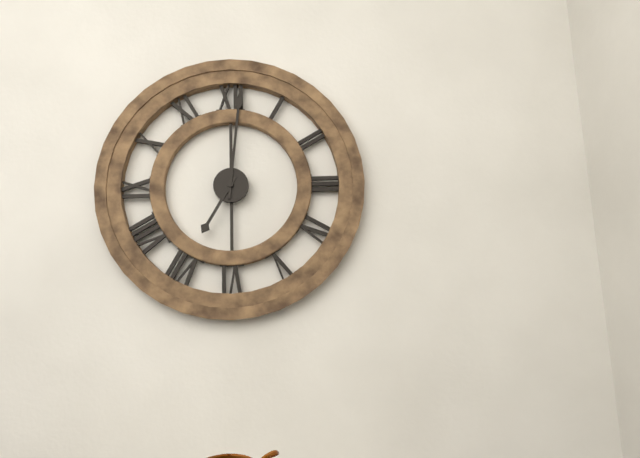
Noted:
7:01
